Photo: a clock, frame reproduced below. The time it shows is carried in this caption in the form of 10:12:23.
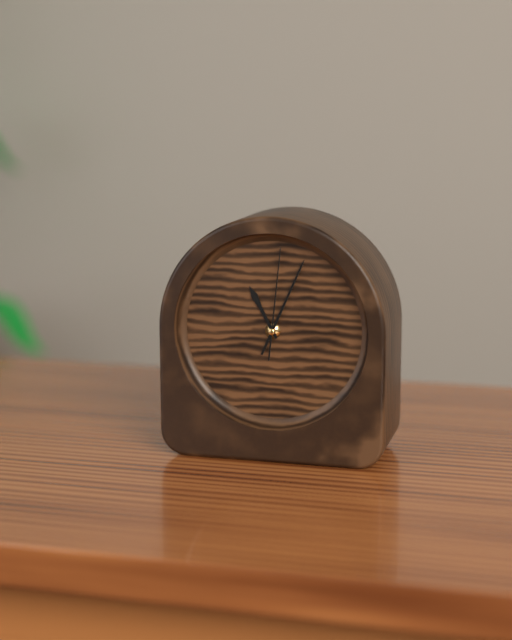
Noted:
11:04:01
